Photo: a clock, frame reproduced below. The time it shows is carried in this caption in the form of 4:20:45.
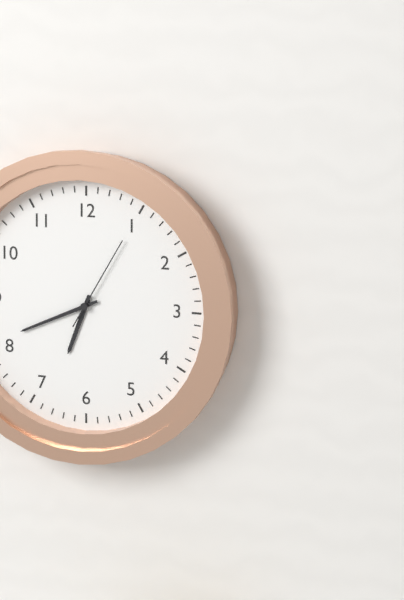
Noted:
6:41:05
